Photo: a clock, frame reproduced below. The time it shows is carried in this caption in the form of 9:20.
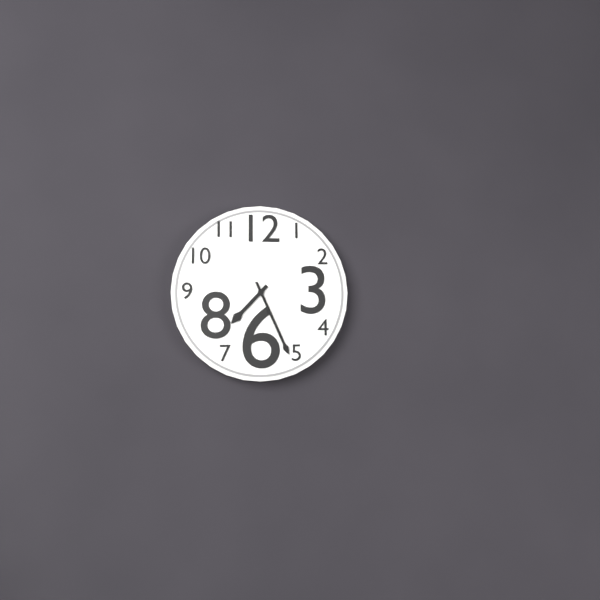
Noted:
7:26
